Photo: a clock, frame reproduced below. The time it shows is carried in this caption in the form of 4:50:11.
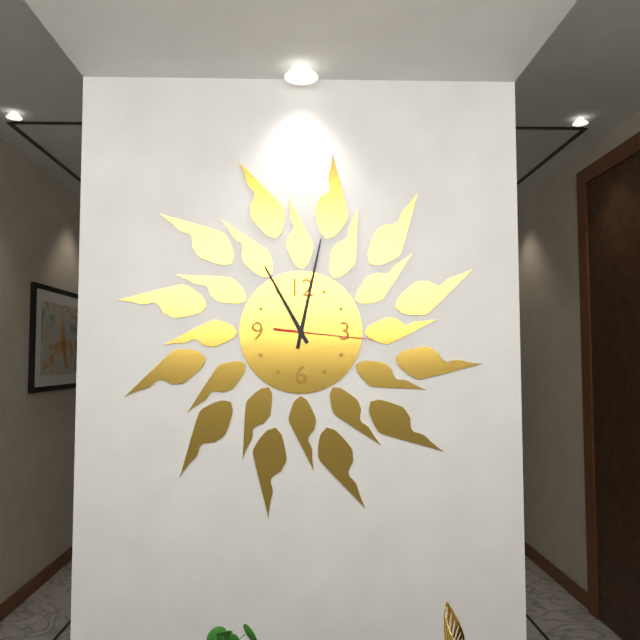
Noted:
11:02:16
